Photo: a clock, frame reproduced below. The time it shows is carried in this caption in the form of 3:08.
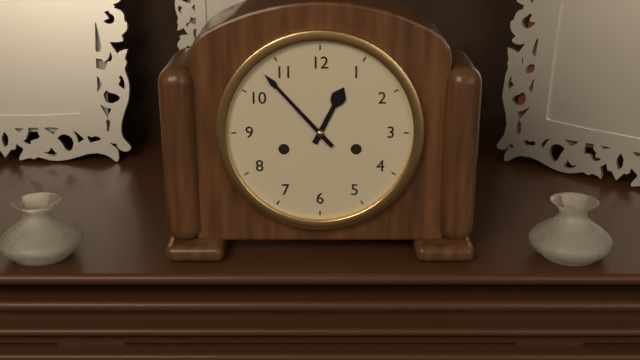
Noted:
12:53
